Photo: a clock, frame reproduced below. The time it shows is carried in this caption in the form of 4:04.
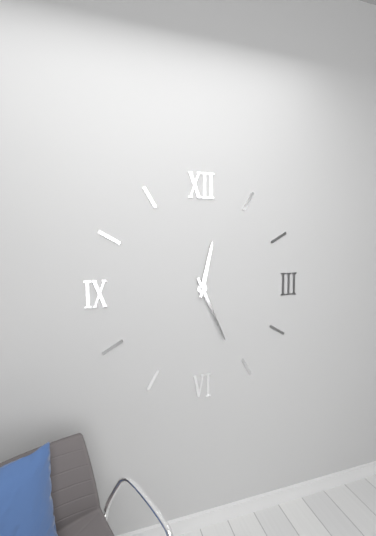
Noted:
12:26
